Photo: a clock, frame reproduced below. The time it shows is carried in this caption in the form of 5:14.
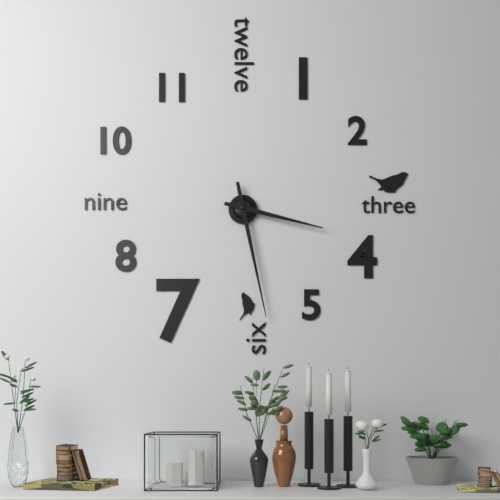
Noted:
3:28
